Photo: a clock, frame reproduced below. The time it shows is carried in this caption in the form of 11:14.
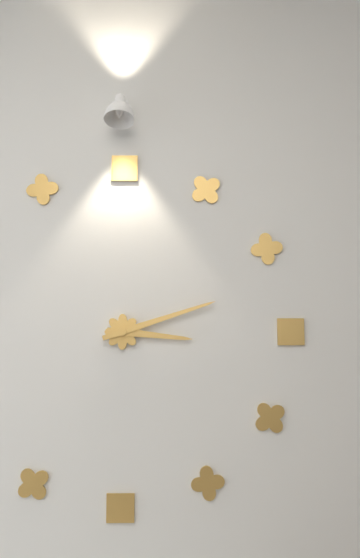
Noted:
3:12
